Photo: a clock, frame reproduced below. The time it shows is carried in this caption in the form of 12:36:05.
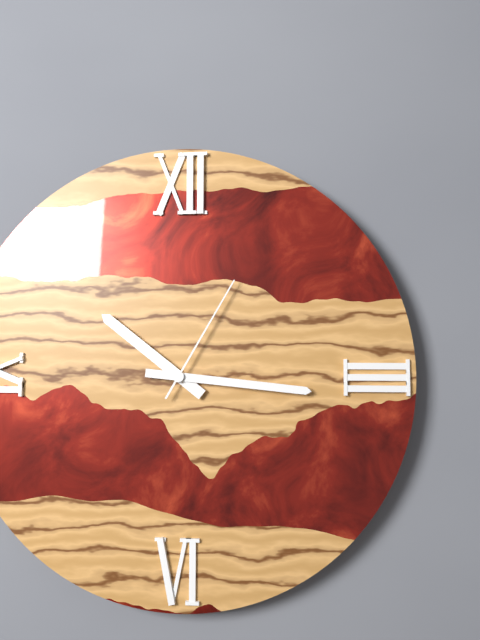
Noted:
10:16:05
